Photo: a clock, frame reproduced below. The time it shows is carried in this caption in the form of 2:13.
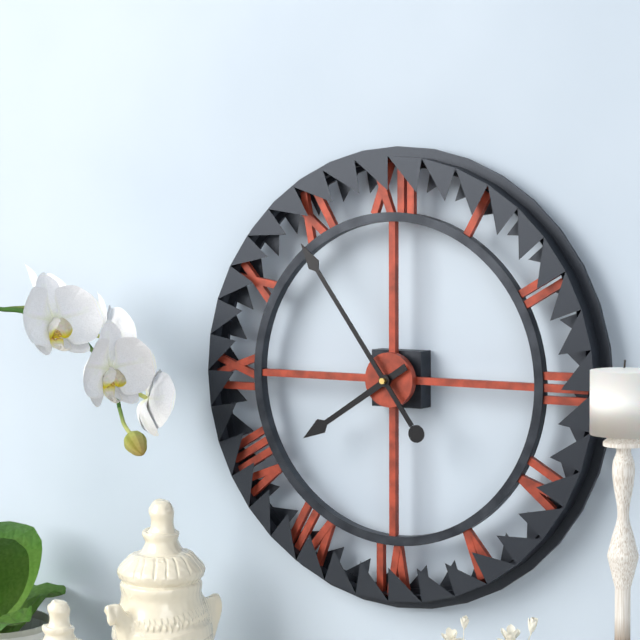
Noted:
7:54
